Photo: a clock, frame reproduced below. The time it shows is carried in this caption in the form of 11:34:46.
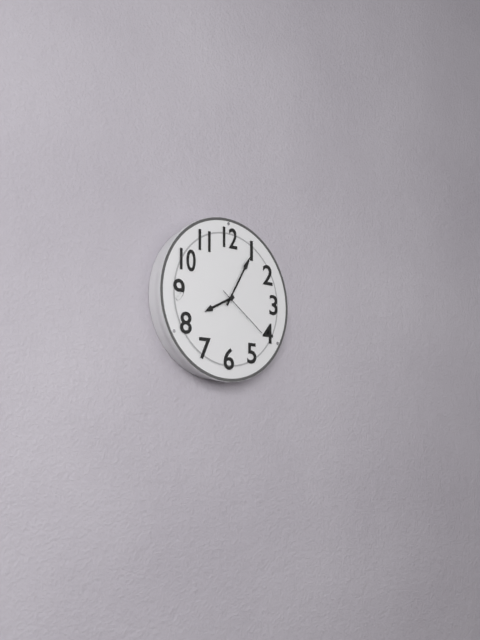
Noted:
8:05:21
